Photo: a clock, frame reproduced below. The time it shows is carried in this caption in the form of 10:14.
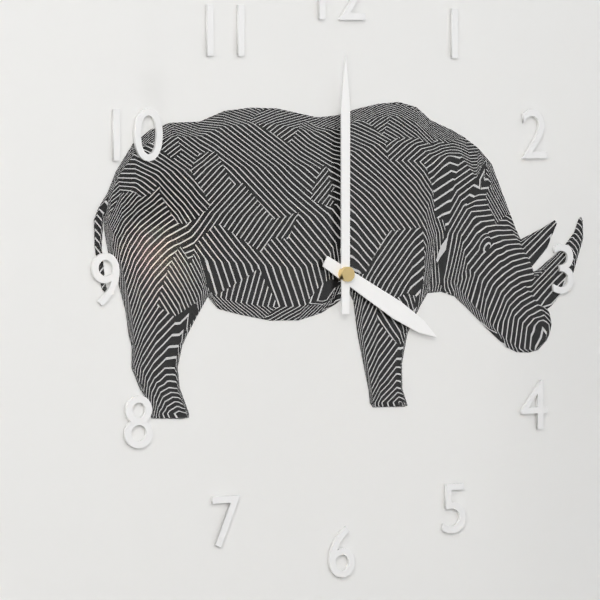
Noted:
4:00
